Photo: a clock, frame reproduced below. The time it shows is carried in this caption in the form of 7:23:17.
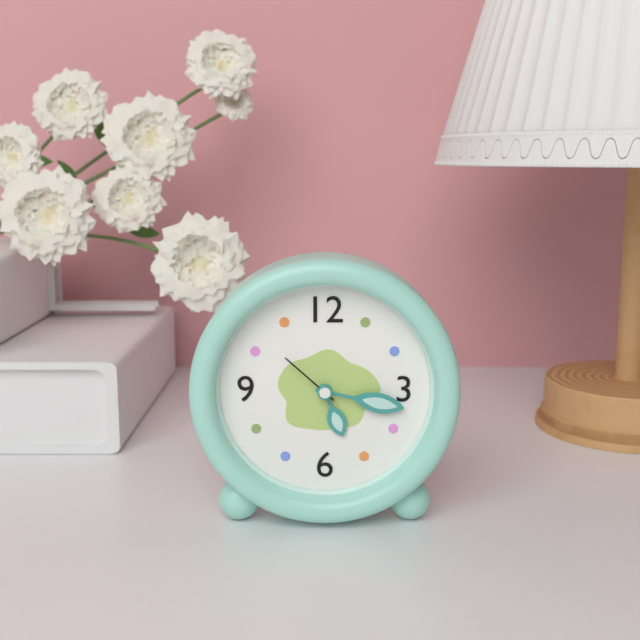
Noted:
5:17:52
